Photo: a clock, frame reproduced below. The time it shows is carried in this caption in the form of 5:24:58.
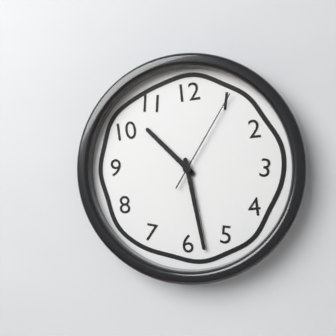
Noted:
10:28:05
